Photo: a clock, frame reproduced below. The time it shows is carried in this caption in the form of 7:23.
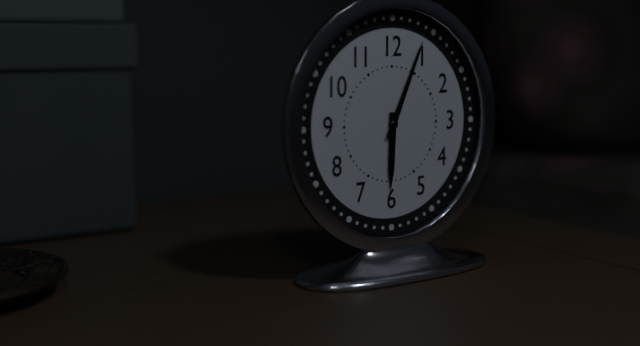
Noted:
6:04
